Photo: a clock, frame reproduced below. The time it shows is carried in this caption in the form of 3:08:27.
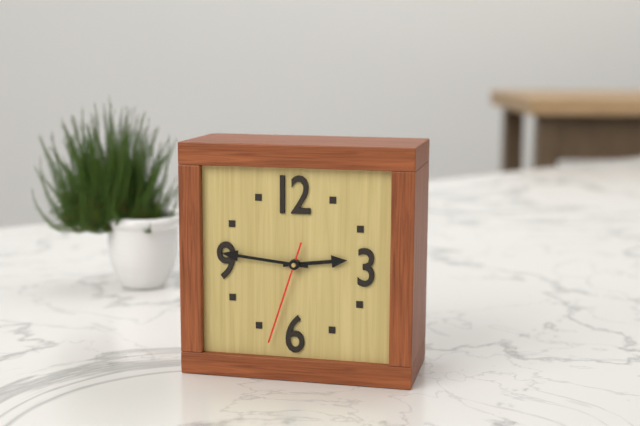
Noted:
2:46:33
